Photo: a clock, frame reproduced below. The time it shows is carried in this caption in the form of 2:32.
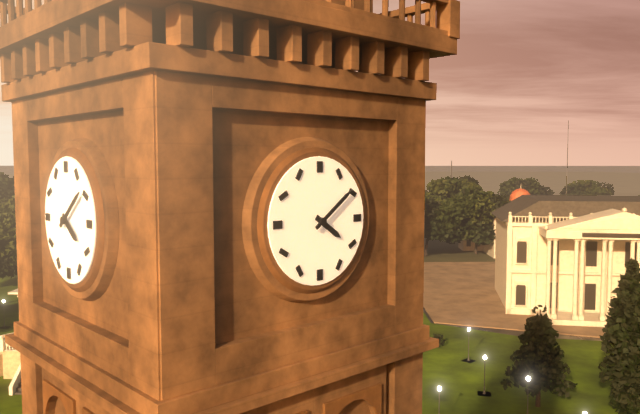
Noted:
4:09
